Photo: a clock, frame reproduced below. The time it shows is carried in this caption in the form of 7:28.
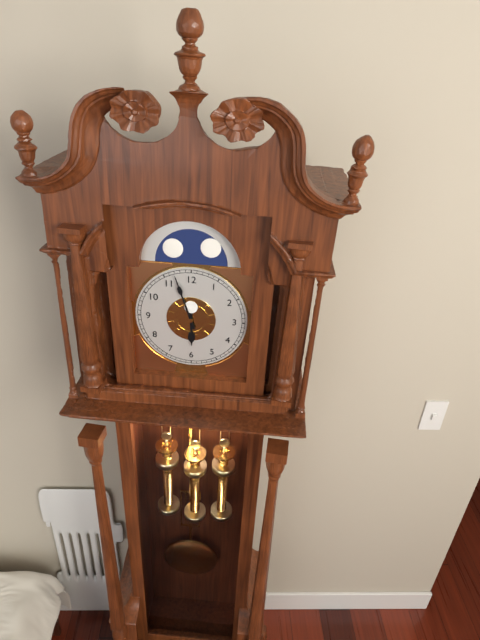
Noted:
5:57
